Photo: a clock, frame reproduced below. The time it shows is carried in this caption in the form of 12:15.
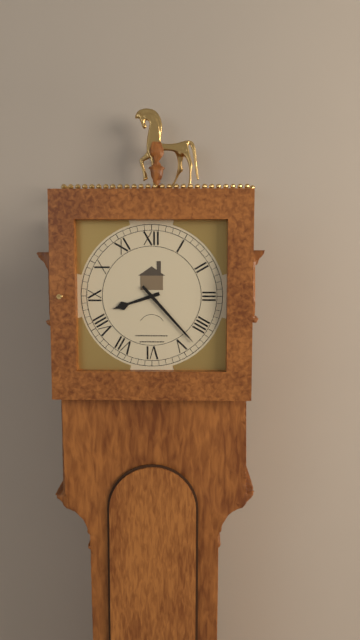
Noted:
8:23
